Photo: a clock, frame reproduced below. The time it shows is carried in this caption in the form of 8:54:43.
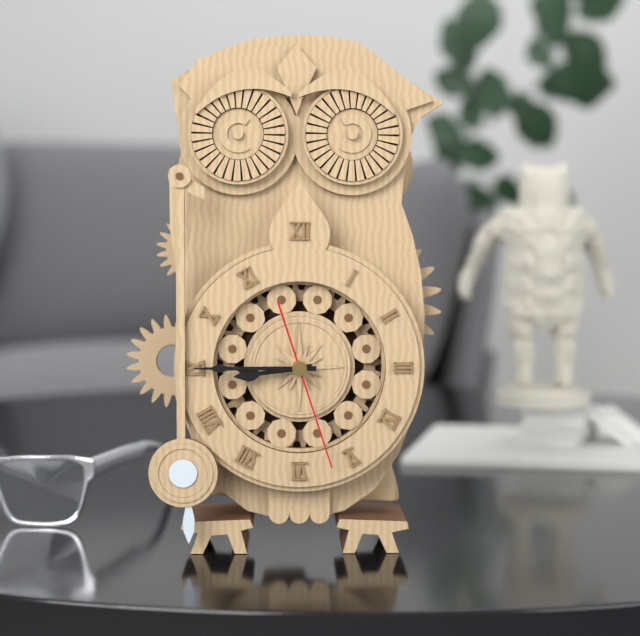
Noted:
8:45:27
